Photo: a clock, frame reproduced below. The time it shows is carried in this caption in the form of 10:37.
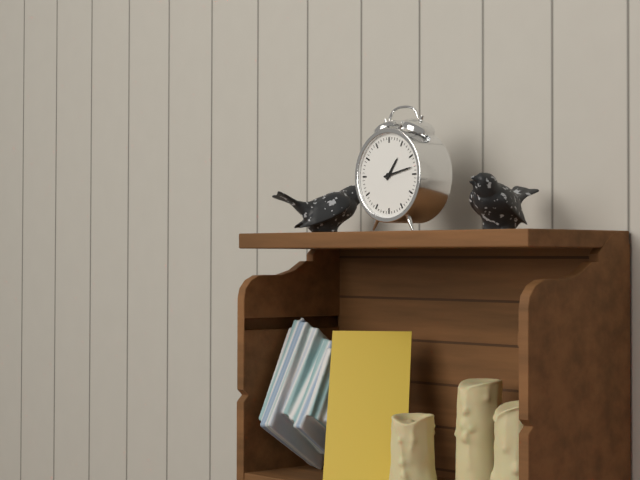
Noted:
1:13
